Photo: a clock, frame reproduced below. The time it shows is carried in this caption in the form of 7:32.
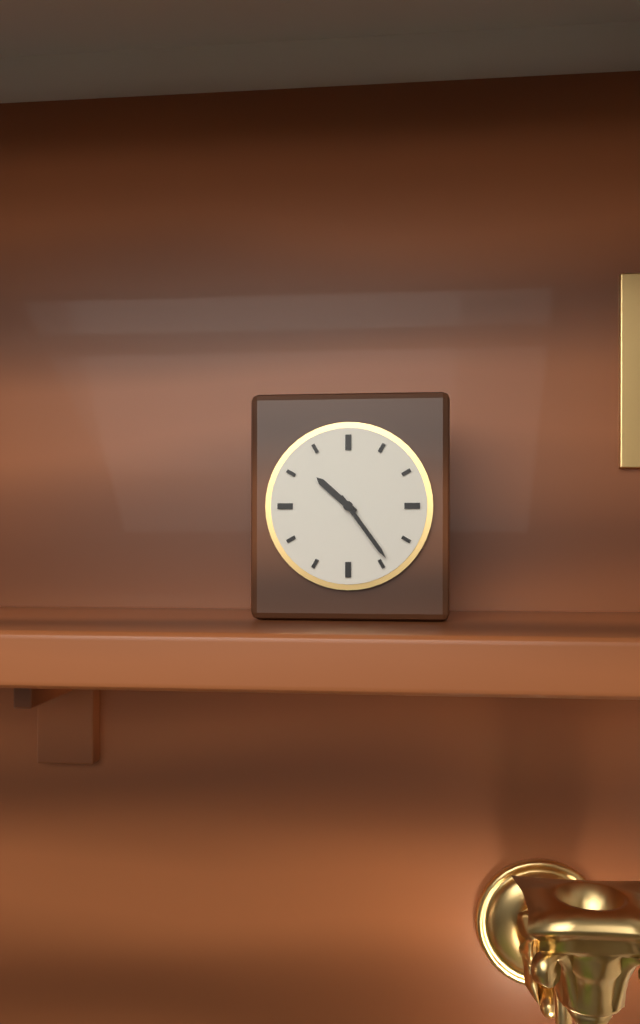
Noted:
10:24
